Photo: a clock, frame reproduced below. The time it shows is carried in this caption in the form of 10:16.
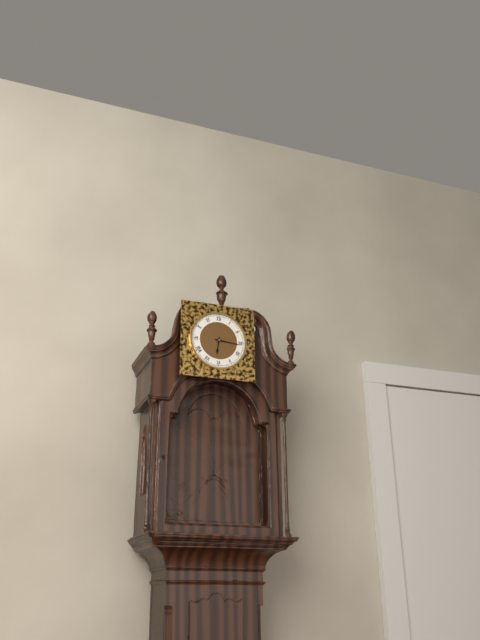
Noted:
6:16
